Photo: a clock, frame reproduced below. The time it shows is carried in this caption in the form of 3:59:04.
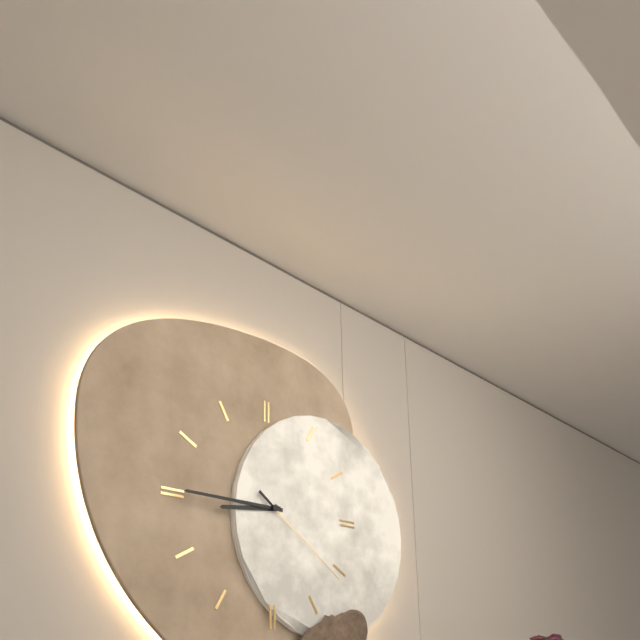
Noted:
8:45:21
